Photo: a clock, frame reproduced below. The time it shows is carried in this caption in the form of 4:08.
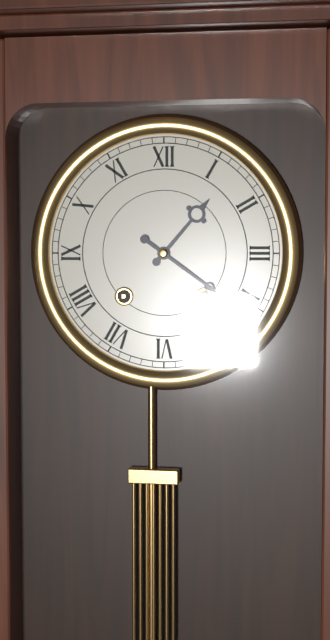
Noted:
1:21
